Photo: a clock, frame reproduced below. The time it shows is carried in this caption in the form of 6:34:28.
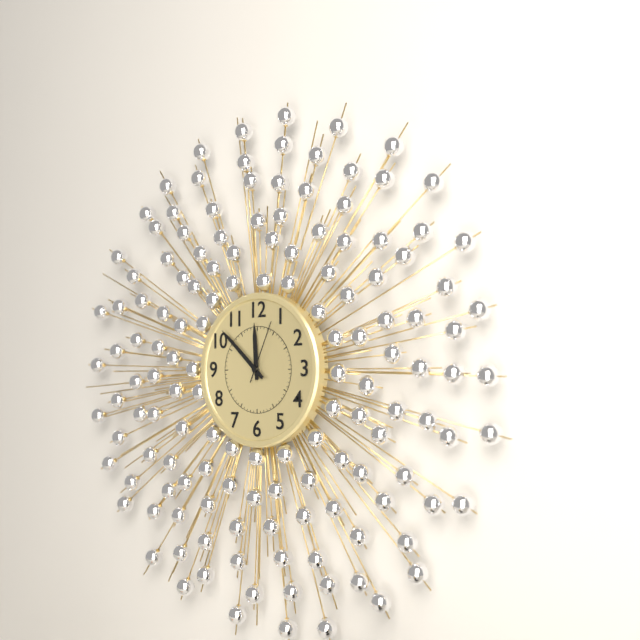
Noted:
11:52:04
